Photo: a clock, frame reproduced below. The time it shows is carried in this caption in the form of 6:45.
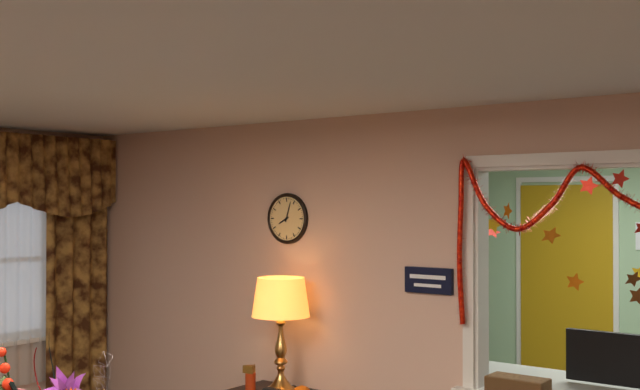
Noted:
8:03
